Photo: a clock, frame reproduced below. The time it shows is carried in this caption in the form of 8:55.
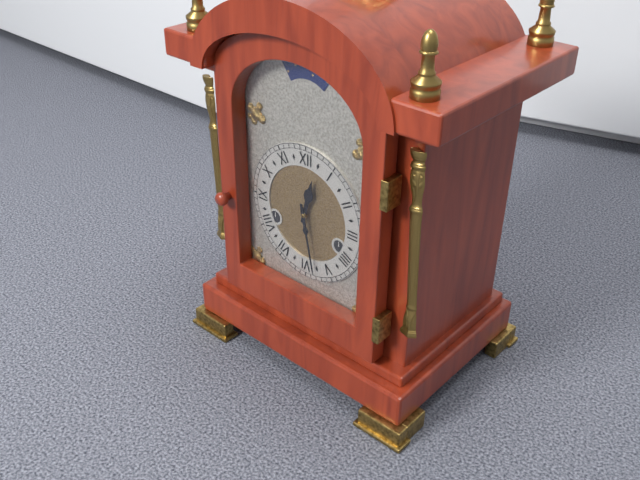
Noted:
12:28
